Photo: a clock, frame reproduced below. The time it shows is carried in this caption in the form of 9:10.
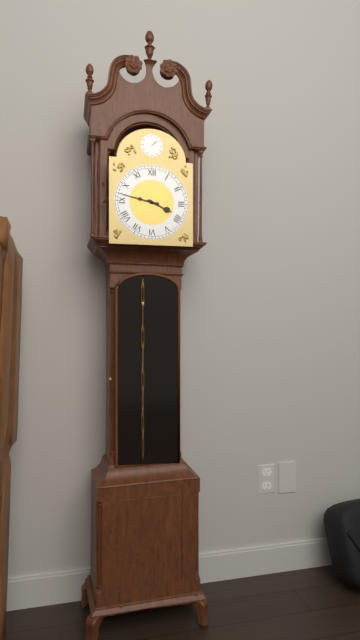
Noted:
3:47
